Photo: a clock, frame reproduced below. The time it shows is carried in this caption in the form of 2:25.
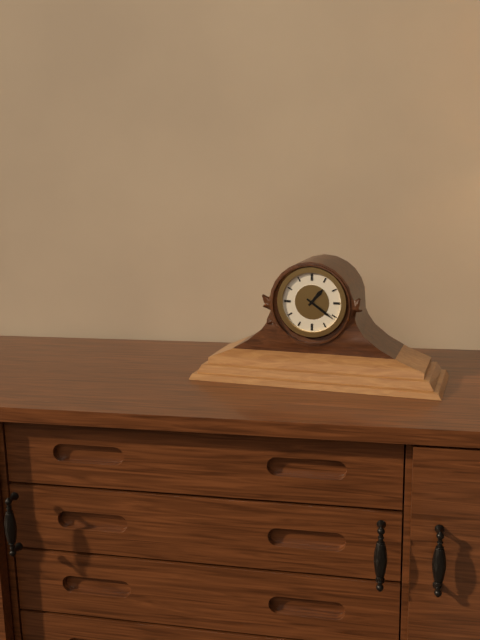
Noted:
1:21
